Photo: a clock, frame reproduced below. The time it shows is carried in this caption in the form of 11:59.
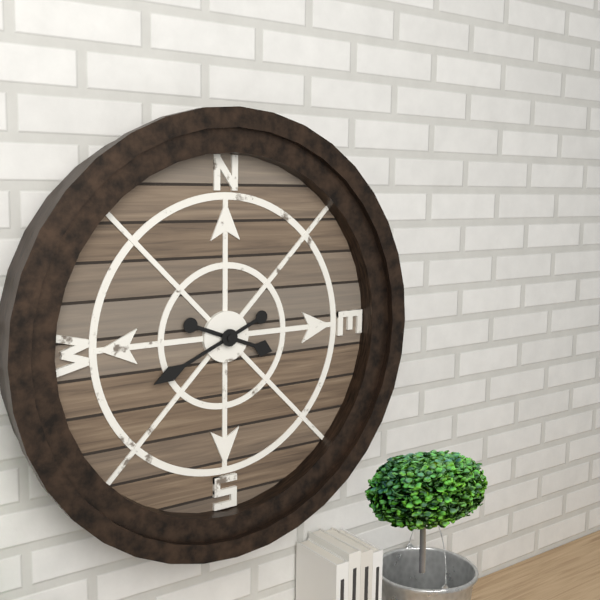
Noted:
3:41
